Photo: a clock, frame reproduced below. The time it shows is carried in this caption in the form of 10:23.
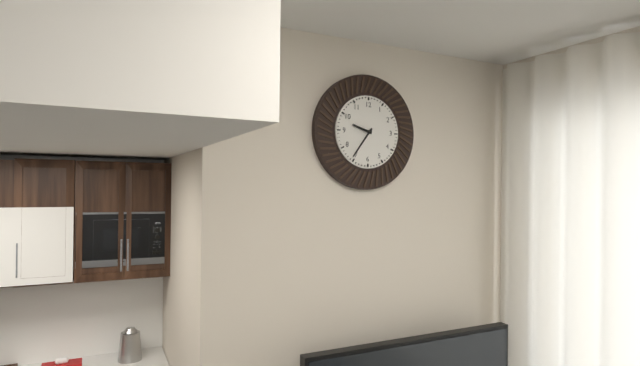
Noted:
9:36
